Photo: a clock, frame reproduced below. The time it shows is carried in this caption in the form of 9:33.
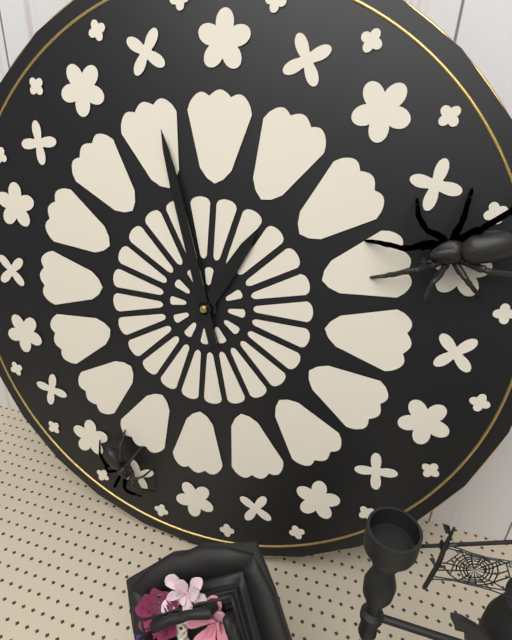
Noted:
12:57
